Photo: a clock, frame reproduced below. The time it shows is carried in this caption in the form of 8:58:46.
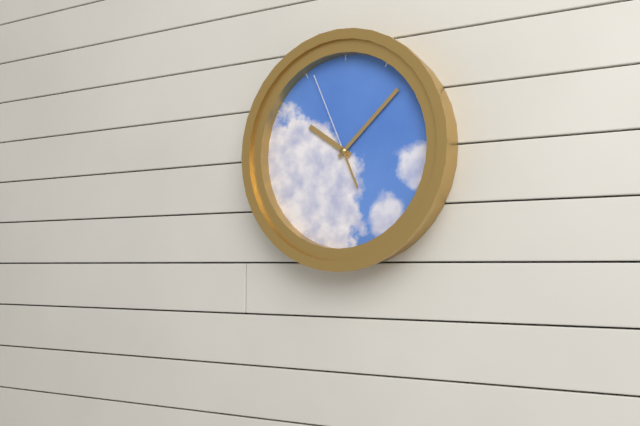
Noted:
10:08:56
